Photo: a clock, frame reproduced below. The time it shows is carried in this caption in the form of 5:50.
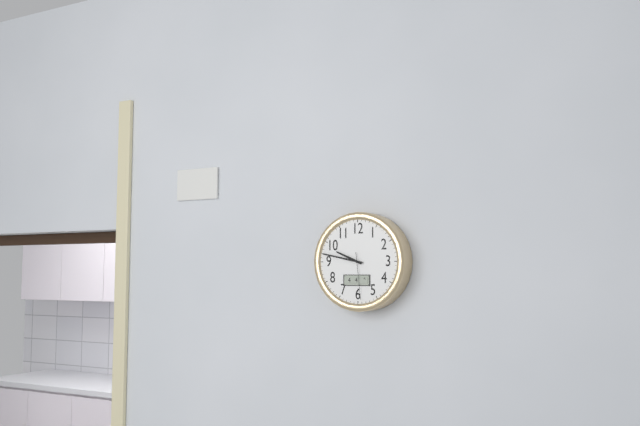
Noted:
9:47
